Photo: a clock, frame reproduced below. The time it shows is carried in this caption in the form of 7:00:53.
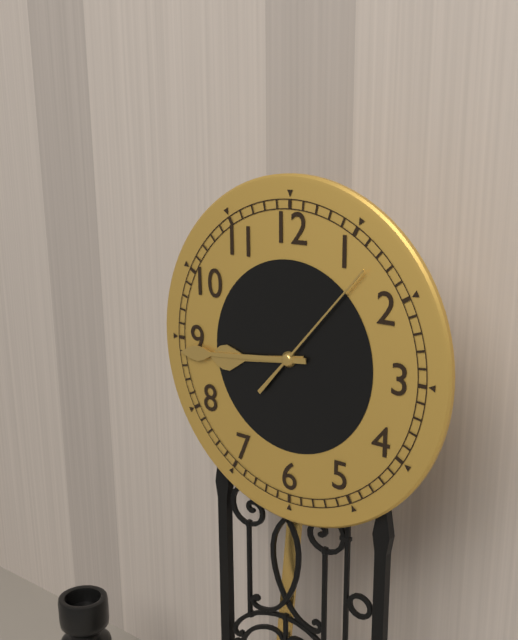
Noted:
8:44:07
